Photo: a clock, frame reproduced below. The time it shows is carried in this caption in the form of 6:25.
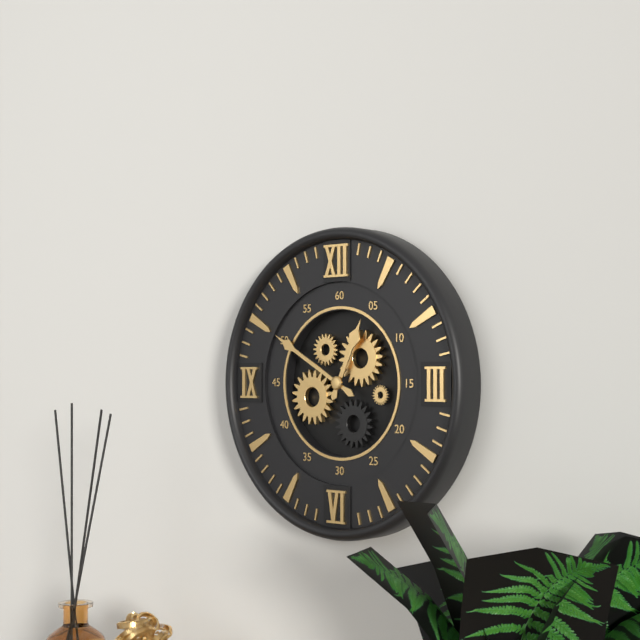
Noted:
12:50
